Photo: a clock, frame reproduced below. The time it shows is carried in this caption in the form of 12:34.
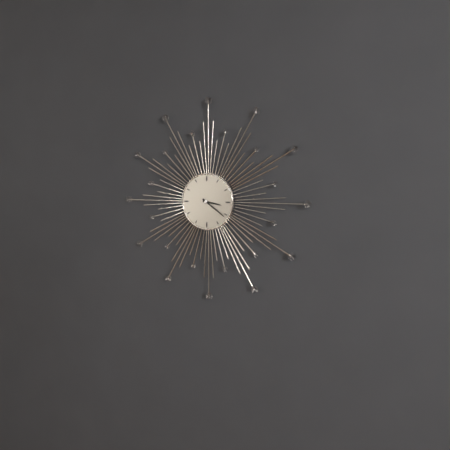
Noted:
3:21
